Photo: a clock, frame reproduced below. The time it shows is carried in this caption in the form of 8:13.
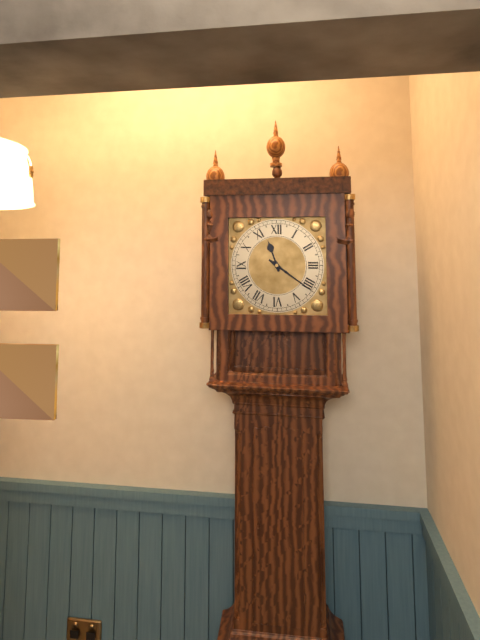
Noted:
11:21
